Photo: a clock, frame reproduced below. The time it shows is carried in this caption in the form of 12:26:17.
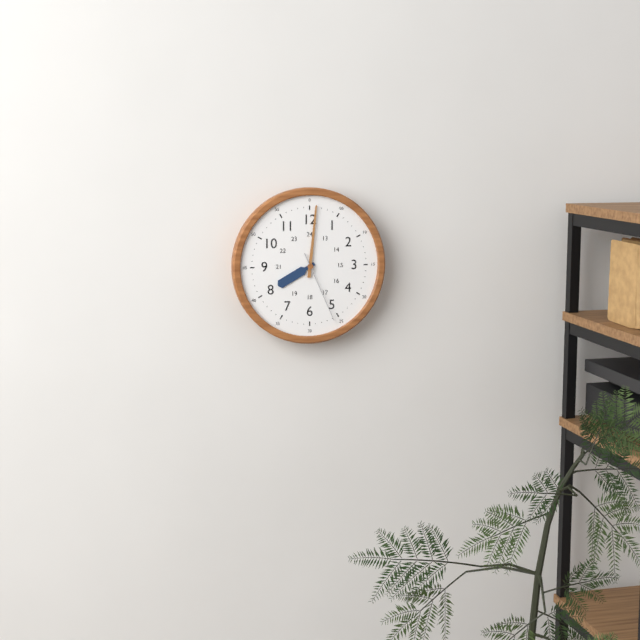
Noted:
8:01:26
